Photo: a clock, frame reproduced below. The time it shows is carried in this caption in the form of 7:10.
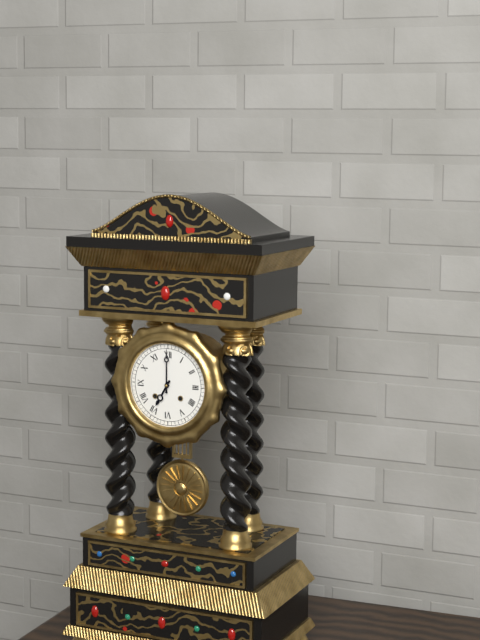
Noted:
7:00
